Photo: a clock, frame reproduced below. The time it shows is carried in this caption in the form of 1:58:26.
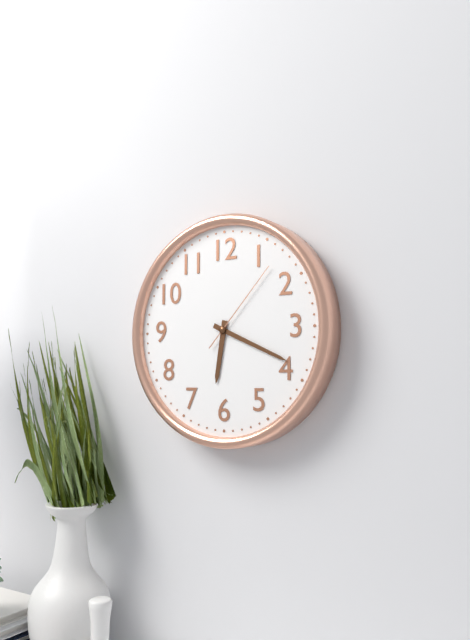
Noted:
6:19:07
